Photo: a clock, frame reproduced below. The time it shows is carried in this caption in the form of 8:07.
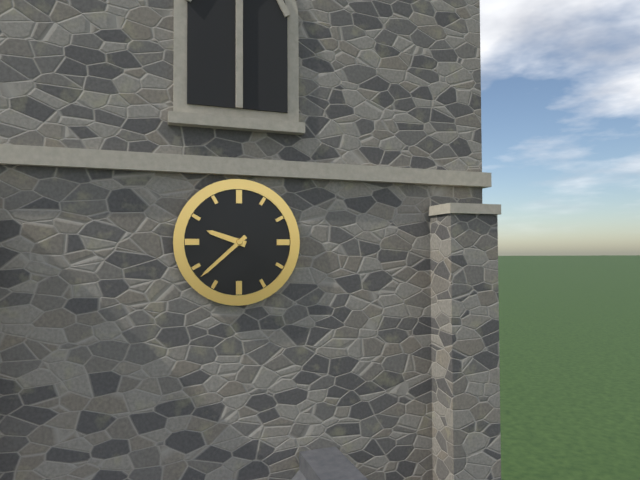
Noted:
9:38
